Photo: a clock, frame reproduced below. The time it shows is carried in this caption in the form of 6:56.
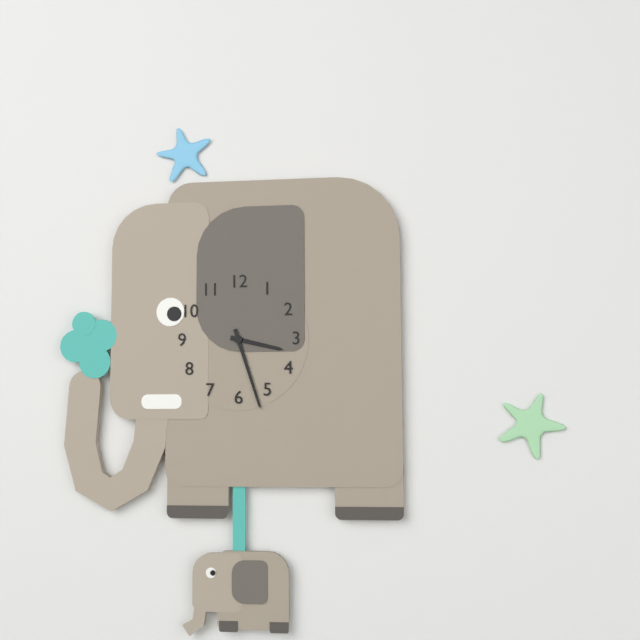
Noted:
3:27
